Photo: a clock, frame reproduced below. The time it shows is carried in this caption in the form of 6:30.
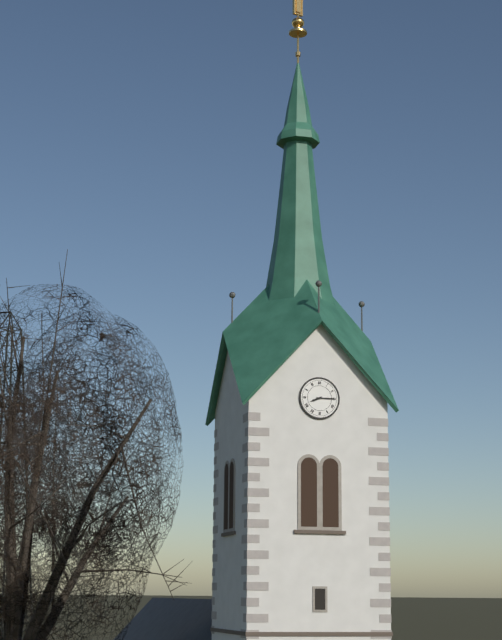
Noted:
8:15
